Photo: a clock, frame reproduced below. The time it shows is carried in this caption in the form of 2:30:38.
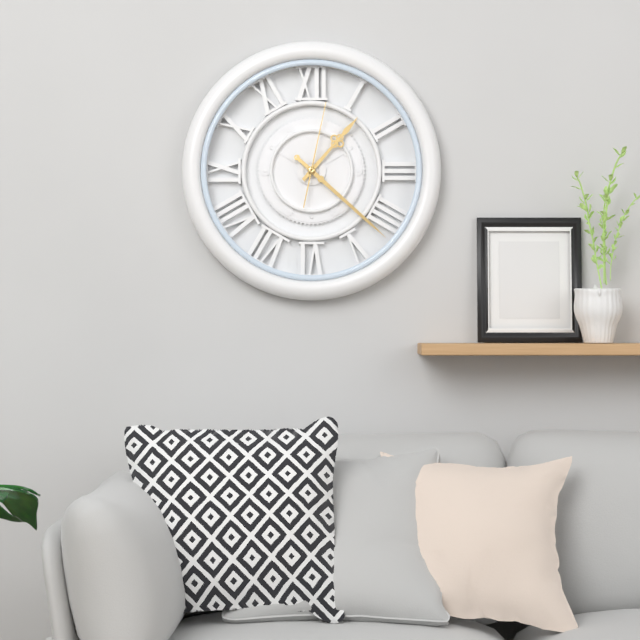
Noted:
1:22:02
